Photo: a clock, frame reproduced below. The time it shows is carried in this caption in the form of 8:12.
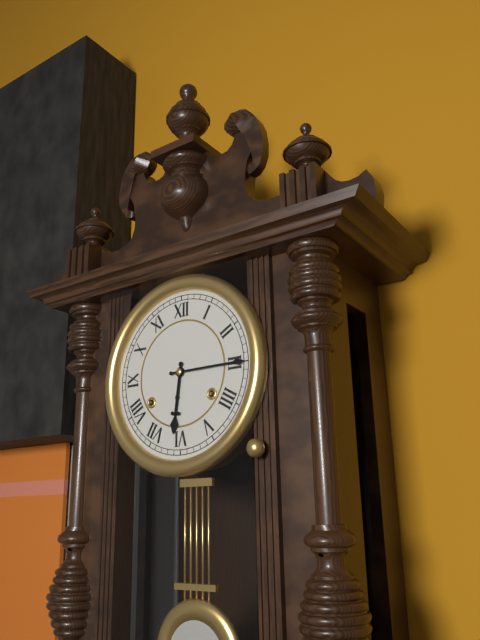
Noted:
6:15
